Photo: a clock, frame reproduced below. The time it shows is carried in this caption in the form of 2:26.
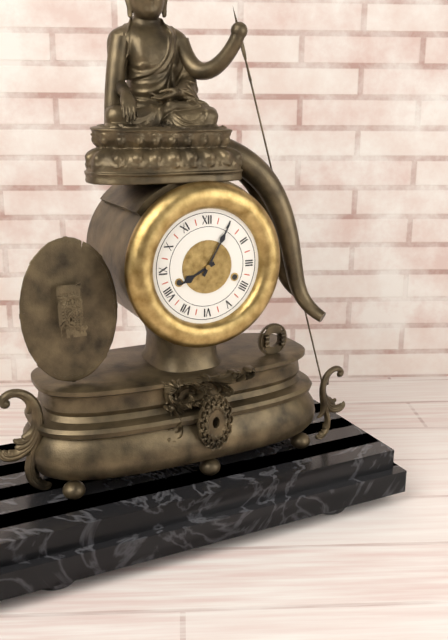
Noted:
8:05
